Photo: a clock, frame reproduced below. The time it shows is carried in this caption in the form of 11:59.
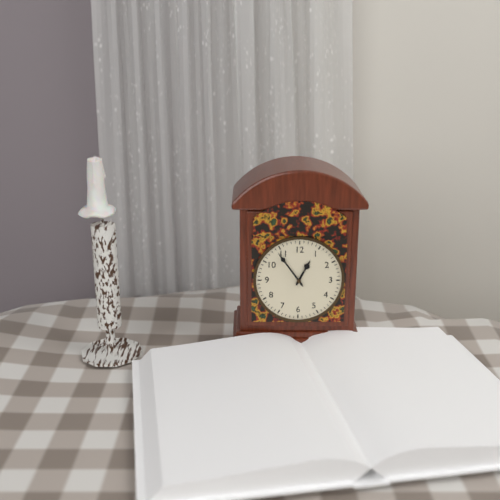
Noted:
12:54
